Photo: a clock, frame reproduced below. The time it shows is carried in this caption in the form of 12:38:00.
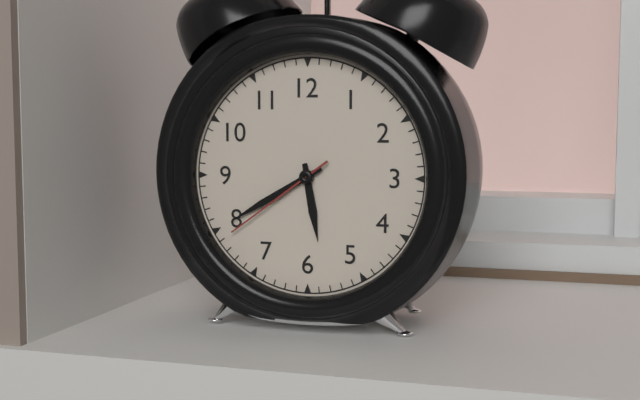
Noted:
5:40:39
